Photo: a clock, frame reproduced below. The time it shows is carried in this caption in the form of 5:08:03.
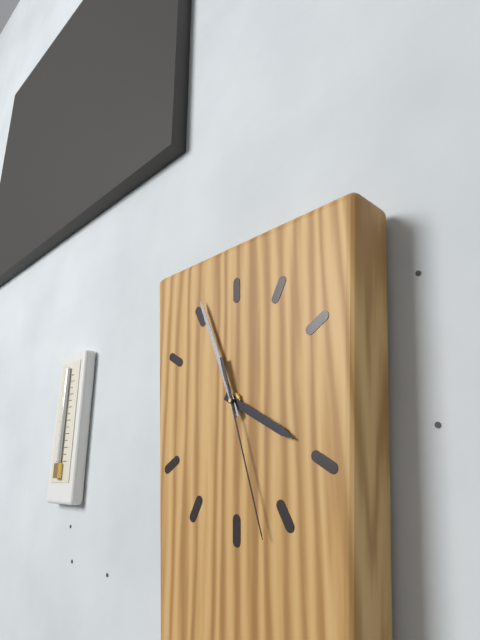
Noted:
3:56:27
